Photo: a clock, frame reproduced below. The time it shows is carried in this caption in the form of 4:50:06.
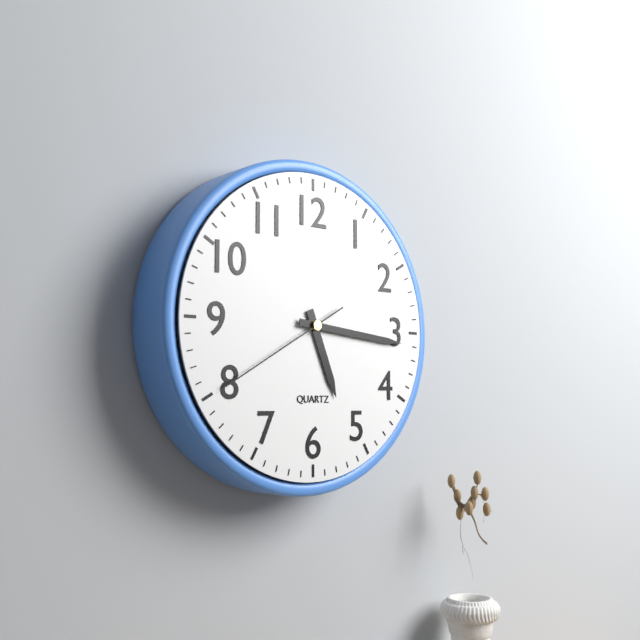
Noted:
5:16:40
